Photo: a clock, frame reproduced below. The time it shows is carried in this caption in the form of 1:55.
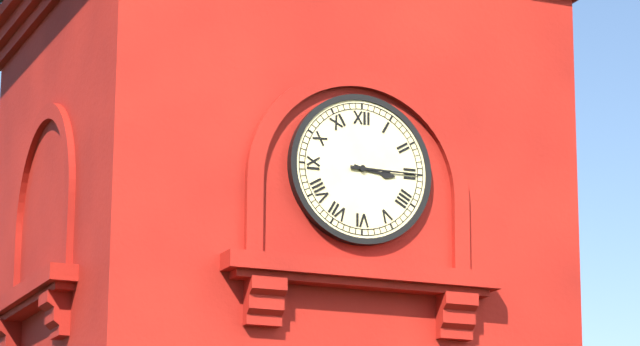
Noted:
3:15
